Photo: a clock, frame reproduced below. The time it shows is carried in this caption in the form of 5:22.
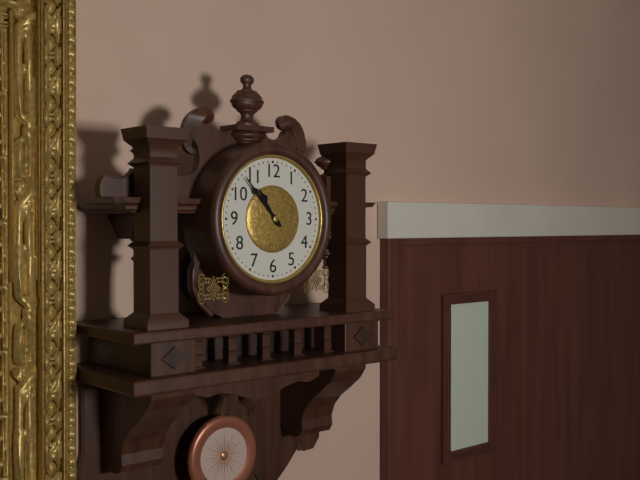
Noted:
10:53
